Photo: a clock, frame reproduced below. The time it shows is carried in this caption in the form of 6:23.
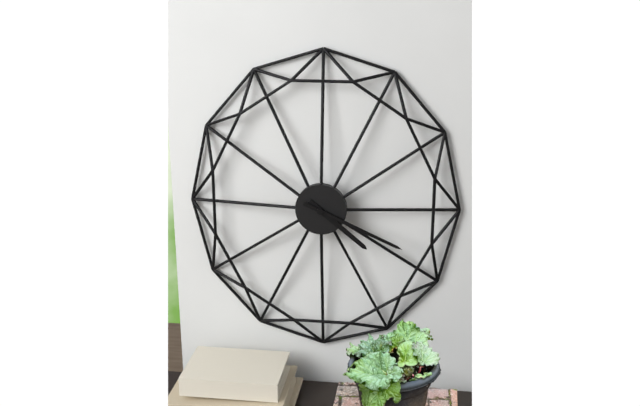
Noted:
4:19
